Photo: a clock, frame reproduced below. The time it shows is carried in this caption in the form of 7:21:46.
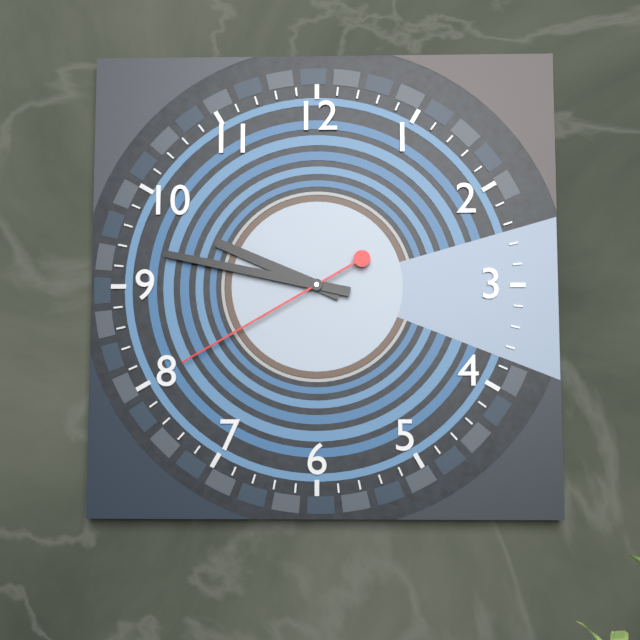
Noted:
9:47:40
